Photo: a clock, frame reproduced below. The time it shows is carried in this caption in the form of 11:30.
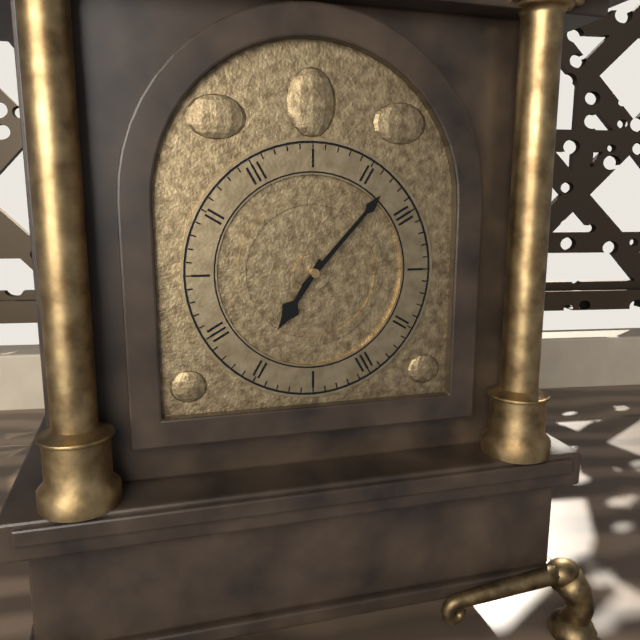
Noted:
7:07
